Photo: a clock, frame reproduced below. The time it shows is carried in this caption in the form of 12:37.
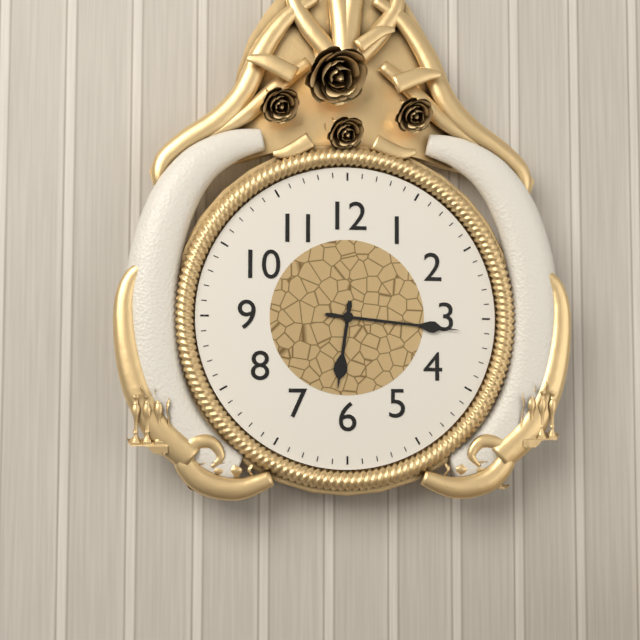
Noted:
6:16
